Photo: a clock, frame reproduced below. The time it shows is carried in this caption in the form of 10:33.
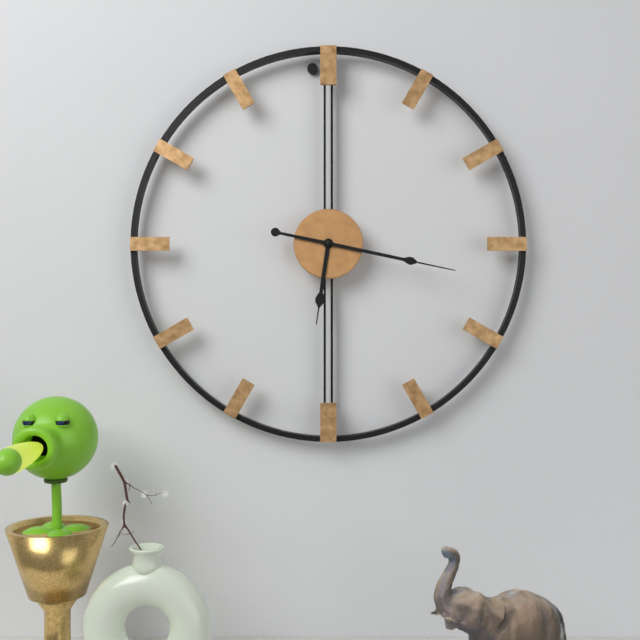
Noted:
6:17
